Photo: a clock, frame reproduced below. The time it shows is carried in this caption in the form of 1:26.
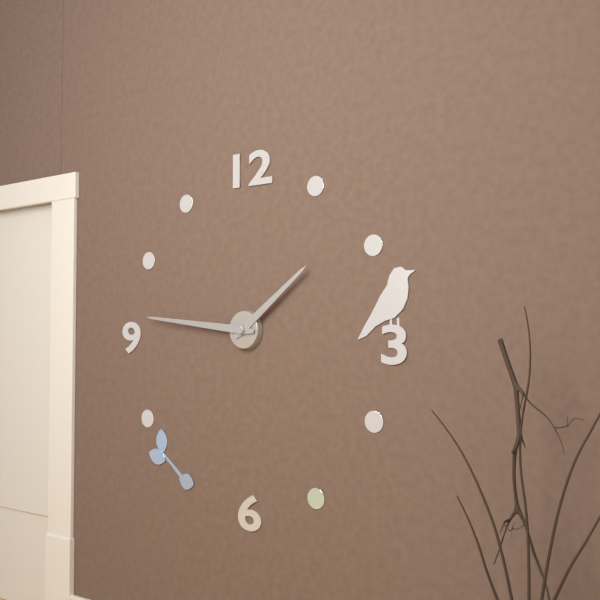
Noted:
1:46
